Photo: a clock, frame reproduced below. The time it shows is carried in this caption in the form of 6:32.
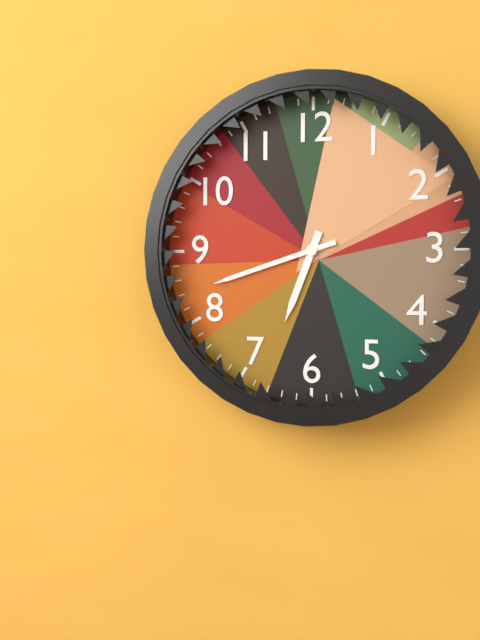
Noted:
6:42
